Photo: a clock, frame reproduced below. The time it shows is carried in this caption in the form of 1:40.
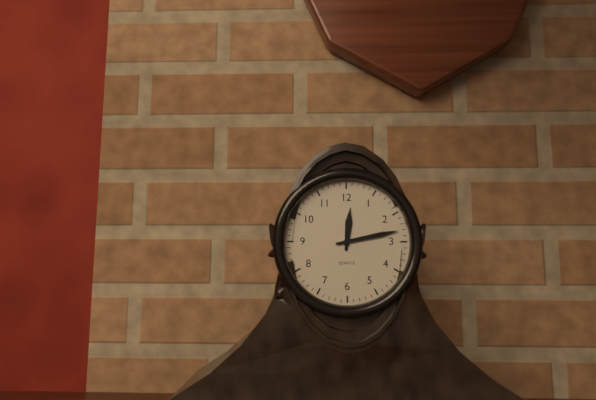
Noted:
12:13
